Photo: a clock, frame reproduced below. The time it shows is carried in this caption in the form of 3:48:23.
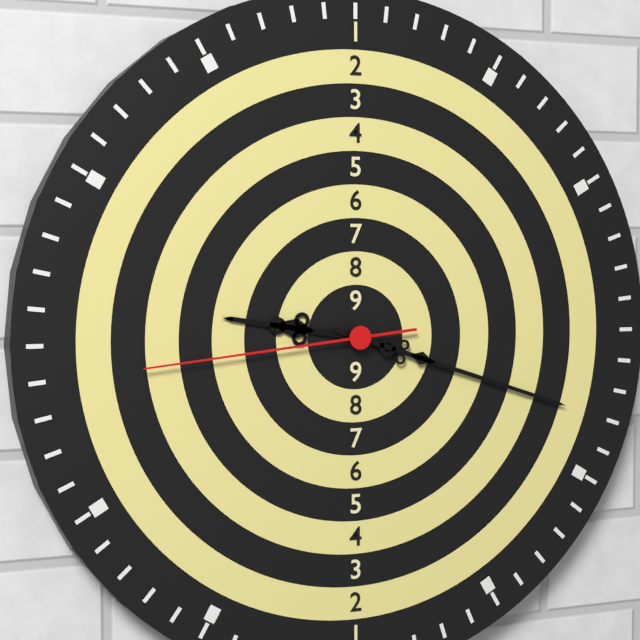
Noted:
9:18:44
